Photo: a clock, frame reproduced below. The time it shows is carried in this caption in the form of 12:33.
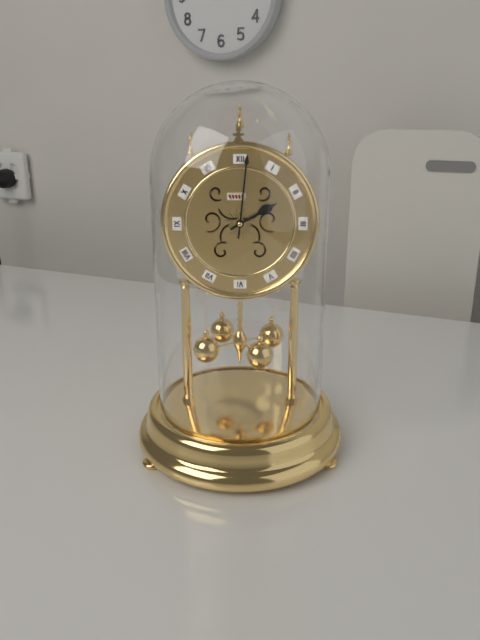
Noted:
2:01
